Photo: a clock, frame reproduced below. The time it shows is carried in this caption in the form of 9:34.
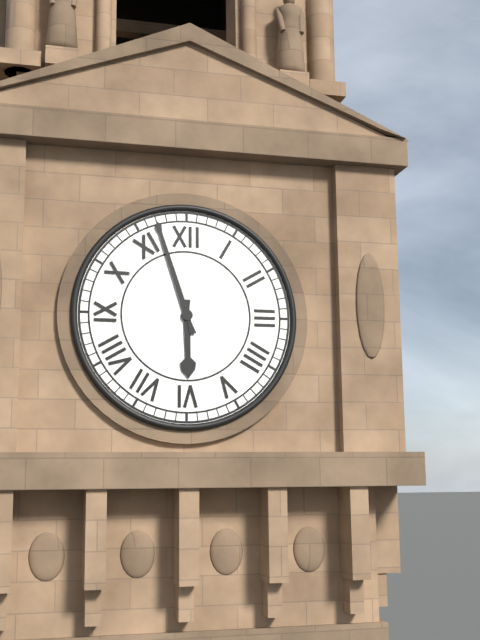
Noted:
5:57
